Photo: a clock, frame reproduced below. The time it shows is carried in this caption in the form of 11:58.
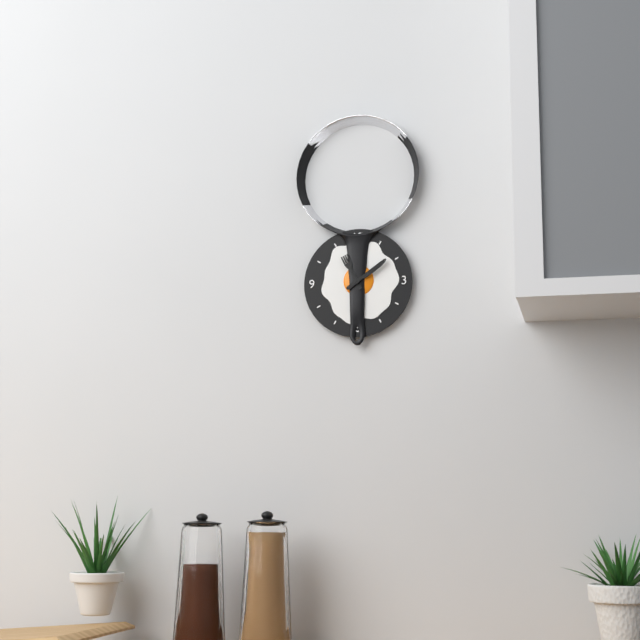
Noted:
11:09
